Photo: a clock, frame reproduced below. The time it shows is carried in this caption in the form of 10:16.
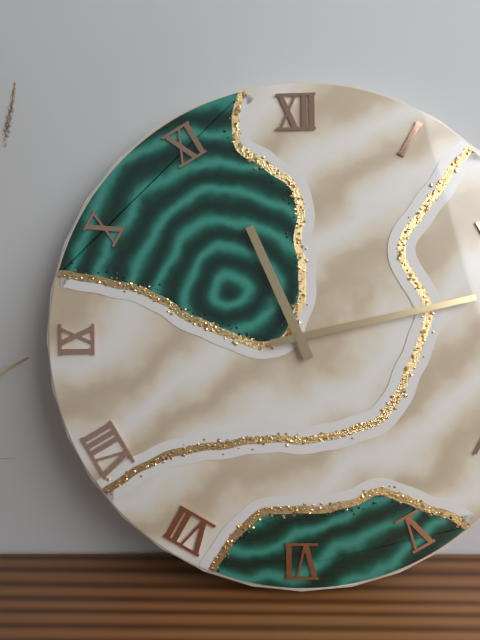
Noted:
11:13
